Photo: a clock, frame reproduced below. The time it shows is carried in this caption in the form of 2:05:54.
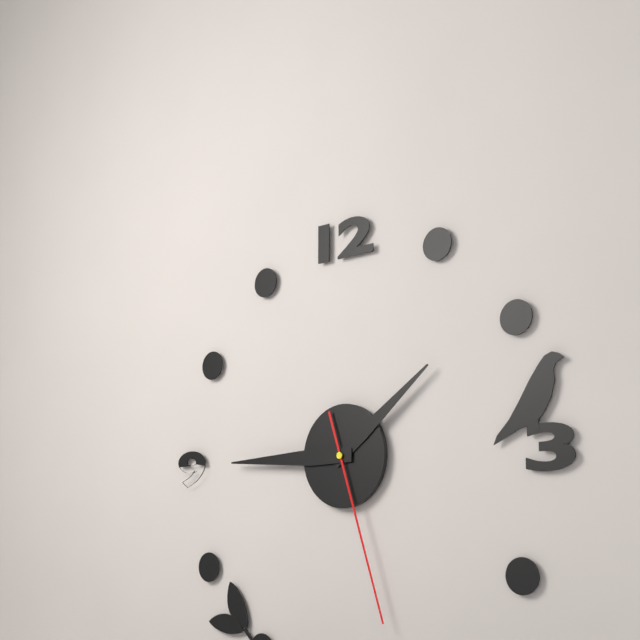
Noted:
1:45:27
